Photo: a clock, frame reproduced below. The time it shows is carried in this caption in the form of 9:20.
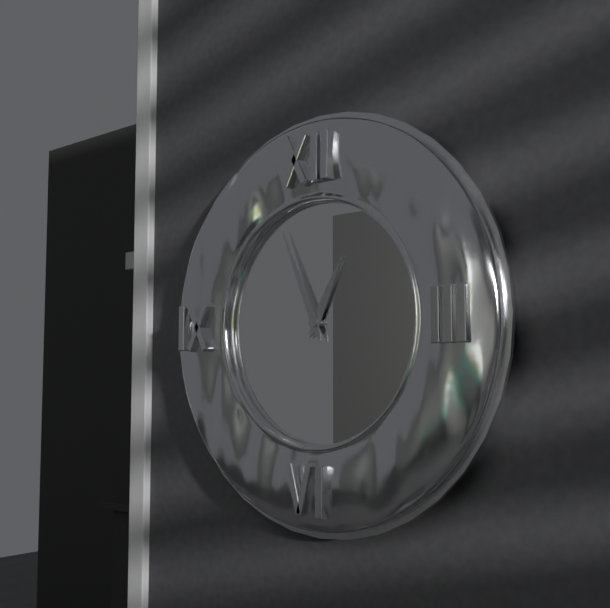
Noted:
12:56
